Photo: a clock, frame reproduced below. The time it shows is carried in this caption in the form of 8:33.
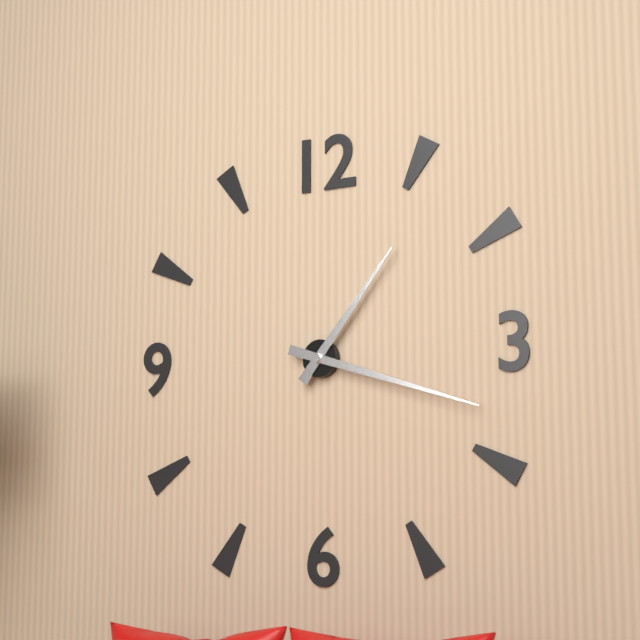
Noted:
1:18
